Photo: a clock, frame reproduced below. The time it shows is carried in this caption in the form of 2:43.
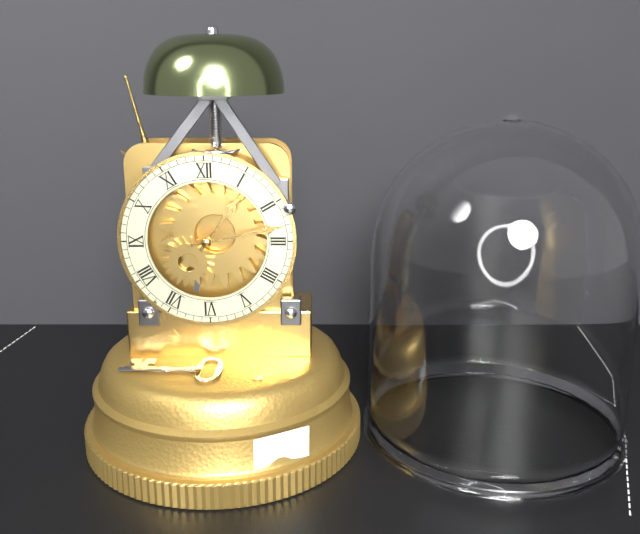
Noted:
1:13
